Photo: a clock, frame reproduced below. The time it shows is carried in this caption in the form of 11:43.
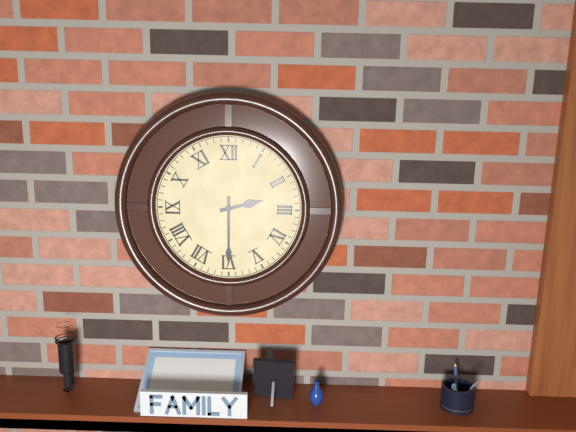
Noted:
2:30
